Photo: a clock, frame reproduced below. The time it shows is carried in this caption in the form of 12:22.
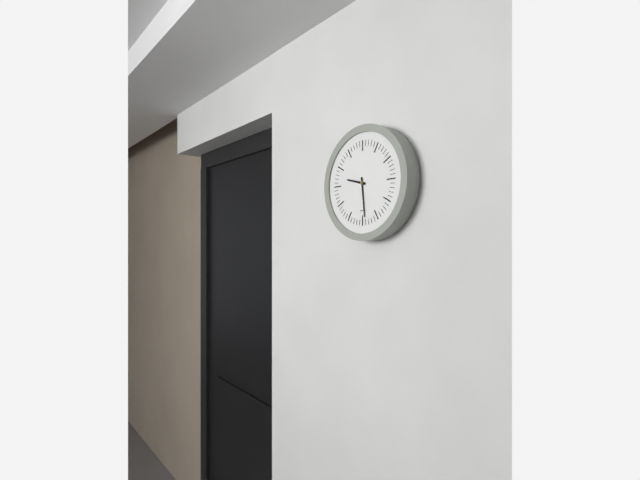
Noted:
9:29
